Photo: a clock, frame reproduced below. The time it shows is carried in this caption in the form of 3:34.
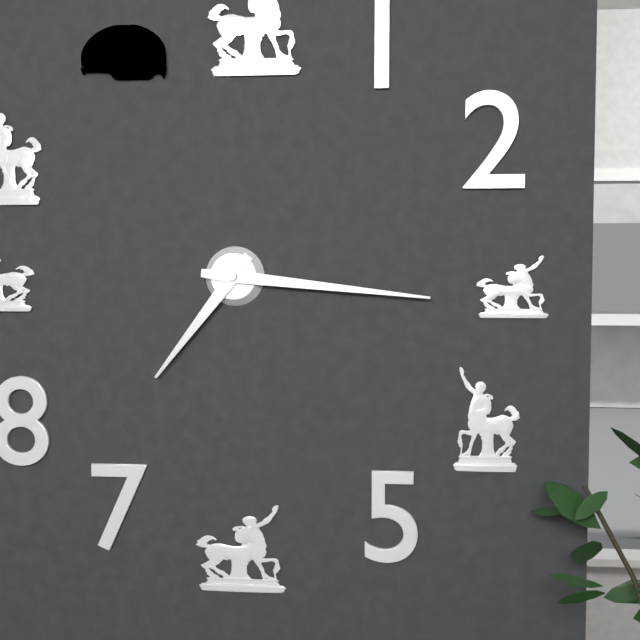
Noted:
7:16
